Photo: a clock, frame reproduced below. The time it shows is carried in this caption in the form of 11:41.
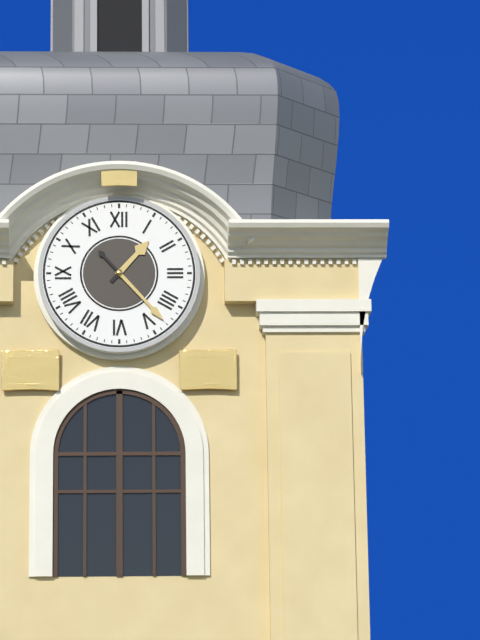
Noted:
1:23
